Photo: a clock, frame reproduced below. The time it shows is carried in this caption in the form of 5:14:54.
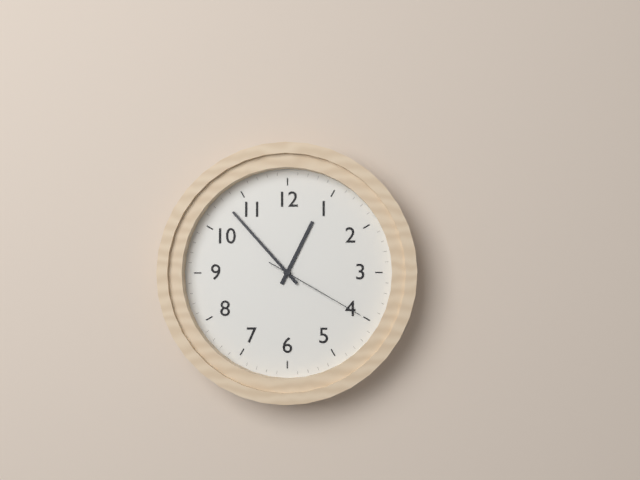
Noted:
12:53:20
